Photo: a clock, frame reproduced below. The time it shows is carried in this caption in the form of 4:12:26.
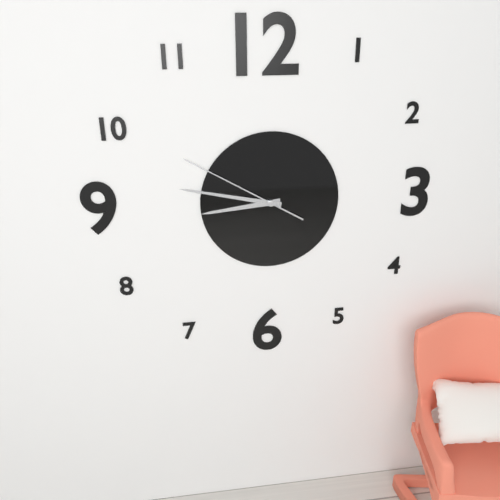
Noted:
8:47:50
